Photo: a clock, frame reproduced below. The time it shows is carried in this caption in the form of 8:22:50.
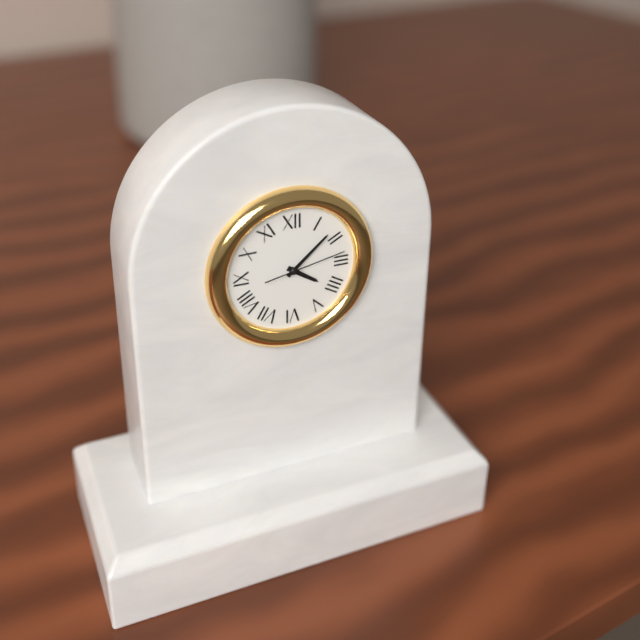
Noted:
4:08:13
